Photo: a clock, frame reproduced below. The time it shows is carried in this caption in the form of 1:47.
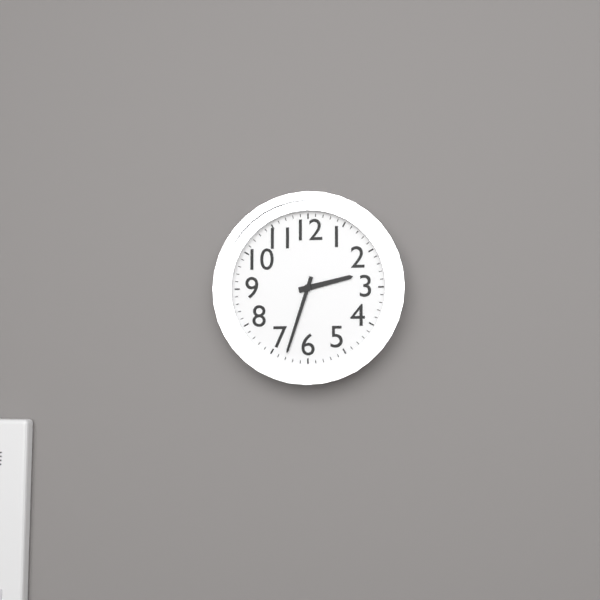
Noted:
2:33
